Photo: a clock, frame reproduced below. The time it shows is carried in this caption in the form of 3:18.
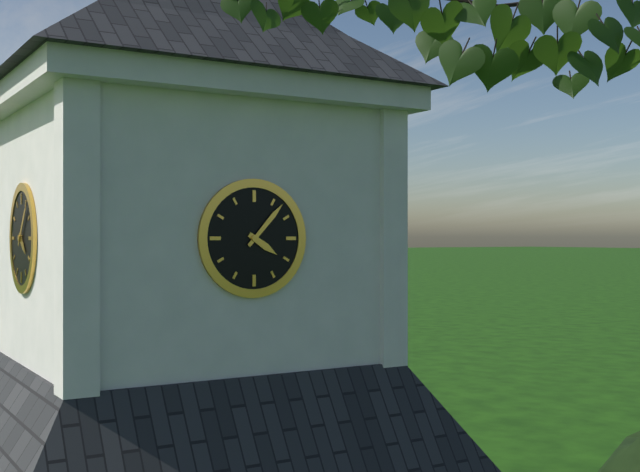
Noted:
4:07
